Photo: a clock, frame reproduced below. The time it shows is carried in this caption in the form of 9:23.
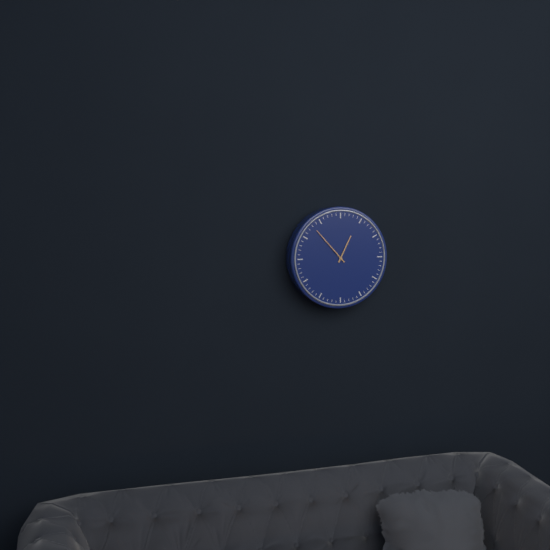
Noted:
12:53
